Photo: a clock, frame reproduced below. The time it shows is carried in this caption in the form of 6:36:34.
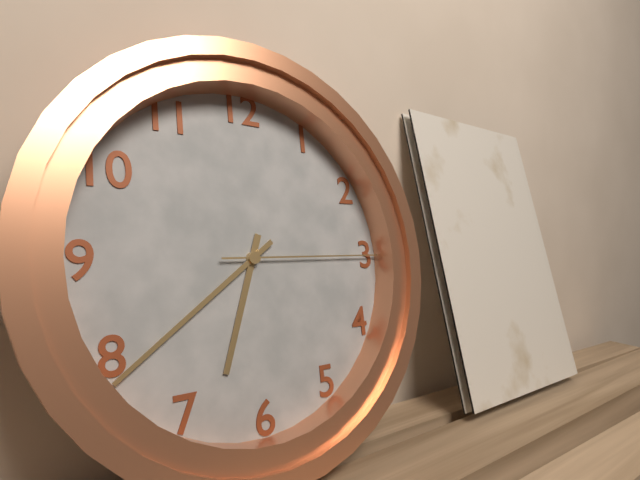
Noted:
6:39:15
